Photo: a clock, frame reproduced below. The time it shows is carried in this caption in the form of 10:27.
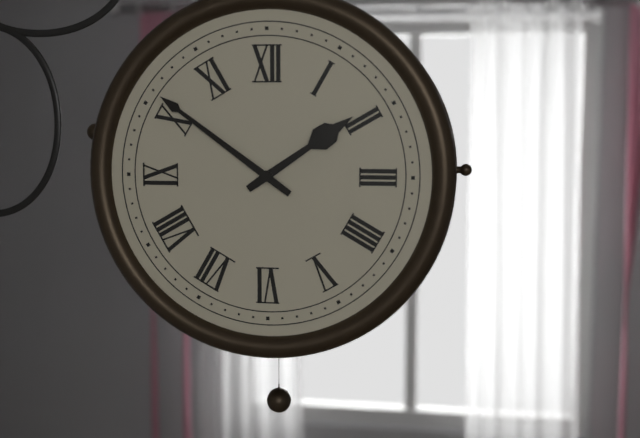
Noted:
1:51
